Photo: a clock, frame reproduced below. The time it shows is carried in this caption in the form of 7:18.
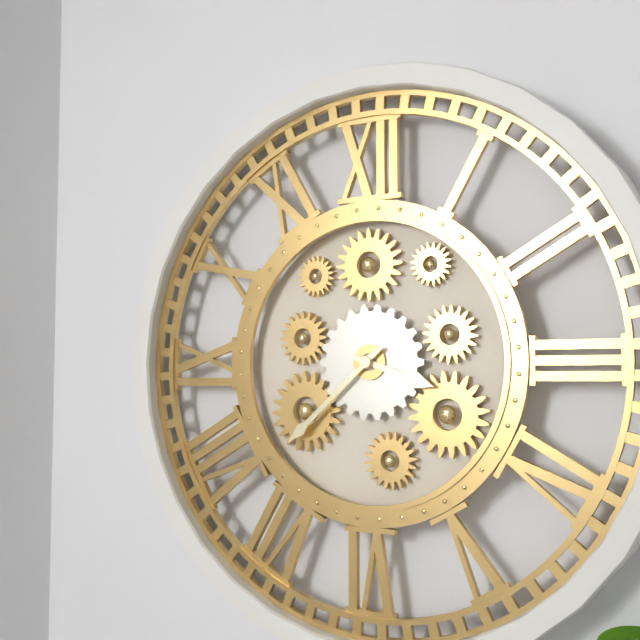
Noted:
3:38
